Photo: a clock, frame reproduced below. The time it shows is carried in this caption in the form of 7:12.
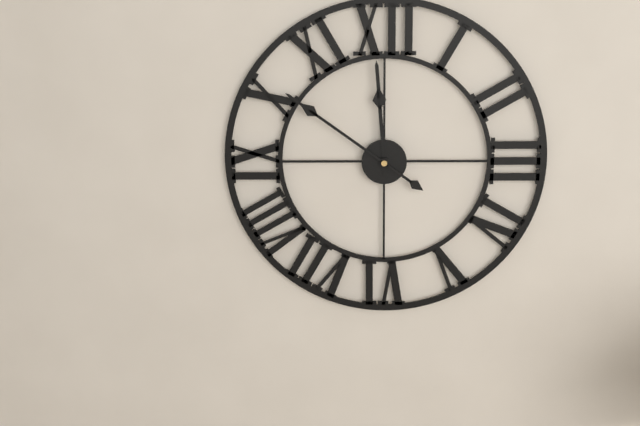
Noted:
11:51
